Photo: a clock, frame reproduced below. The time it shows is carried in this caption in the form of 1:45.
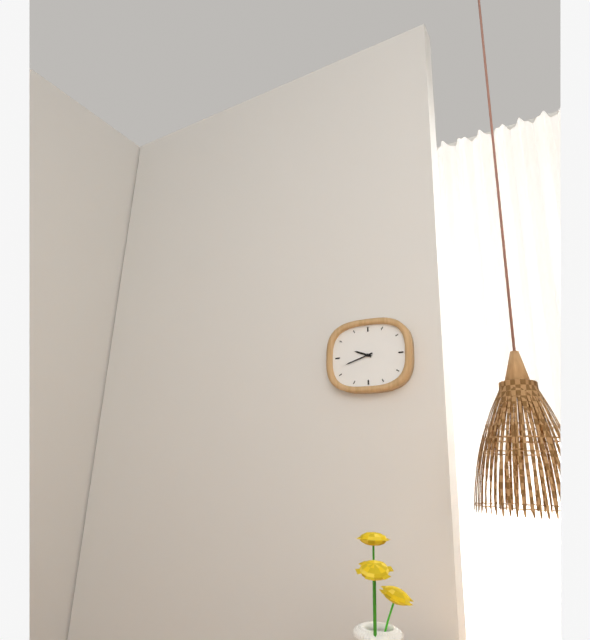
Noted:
9:42
